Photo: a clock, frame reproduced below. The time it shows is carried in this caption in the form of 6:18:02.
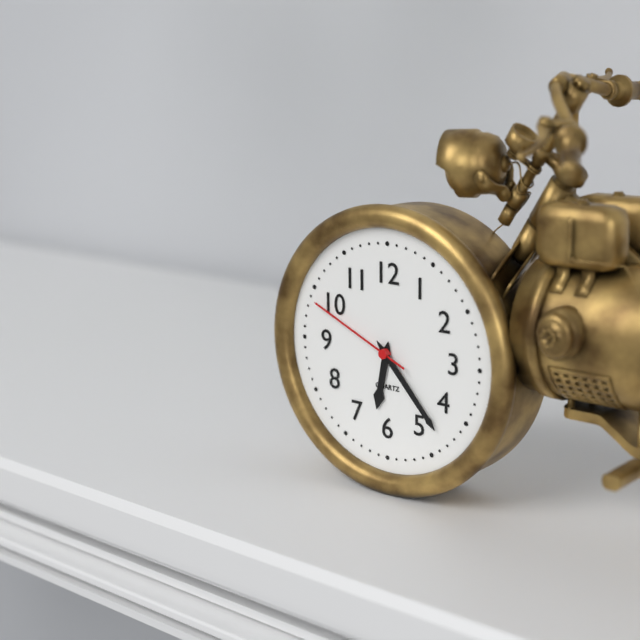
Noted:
6:23:49
